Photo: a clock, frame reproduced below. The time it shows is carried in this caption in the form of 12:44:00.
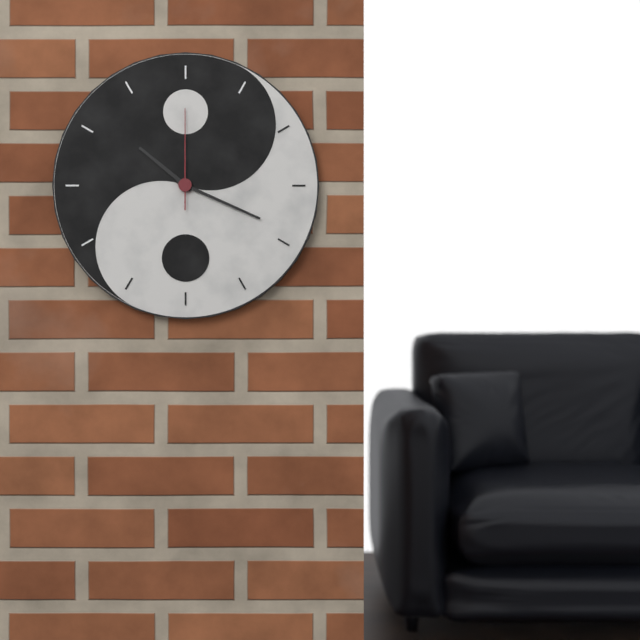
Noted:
10:19:00
